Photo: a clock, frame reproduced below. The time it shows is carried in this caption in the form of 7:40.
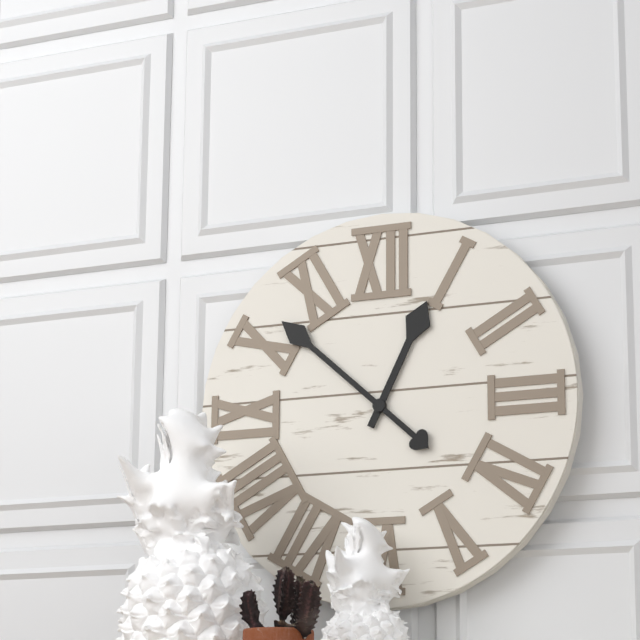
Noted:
12:52
